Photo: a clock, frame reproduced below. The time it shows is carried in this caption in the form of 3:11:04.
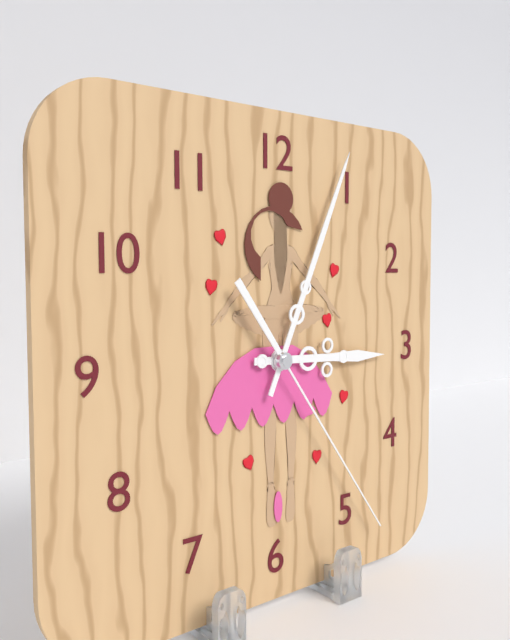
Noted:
3:04:24
